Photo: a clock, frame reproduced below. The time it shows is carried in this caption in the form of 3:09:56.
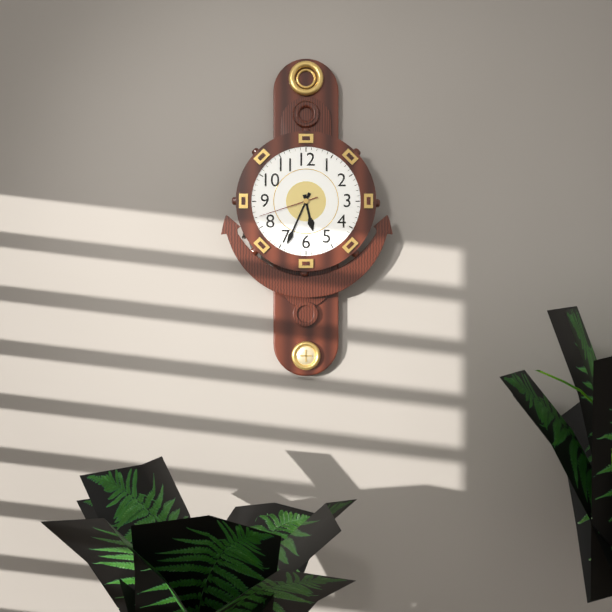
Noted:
5:34:42
